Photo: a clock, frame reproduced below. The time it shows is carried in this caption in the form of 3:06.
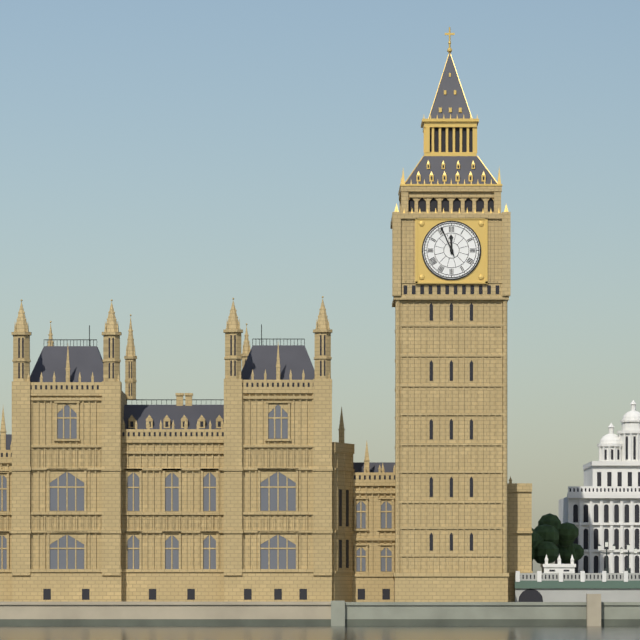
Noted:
11:56
